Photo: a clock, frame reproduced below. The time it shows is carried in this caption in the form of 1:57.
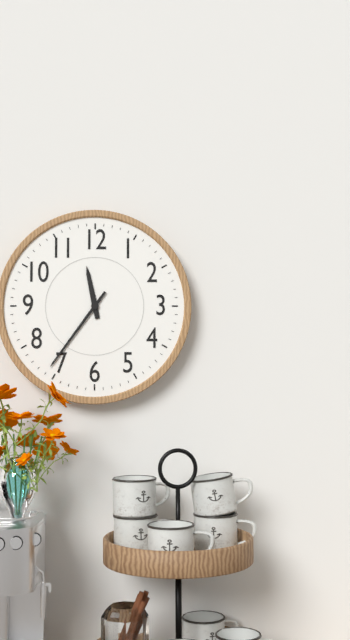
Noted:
11:36
